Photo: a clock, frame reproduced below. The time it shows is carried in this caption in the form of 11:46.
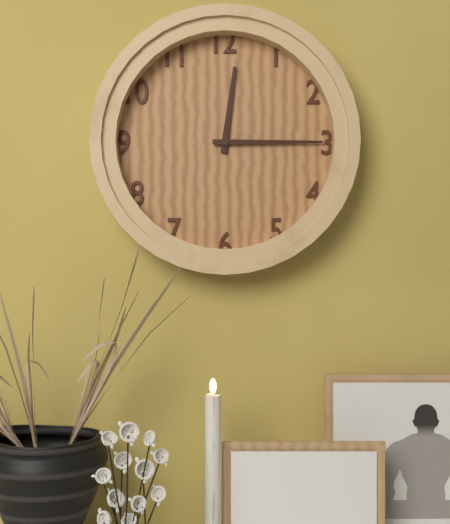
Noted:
12:15
